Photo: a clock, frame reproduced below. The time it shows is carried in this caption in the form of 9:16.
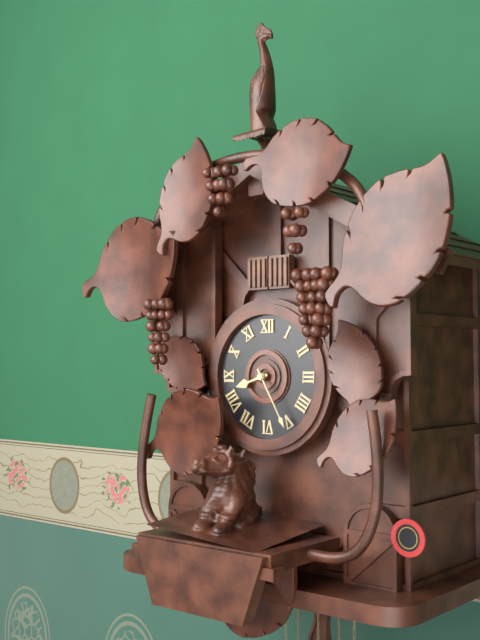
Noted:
8:25
